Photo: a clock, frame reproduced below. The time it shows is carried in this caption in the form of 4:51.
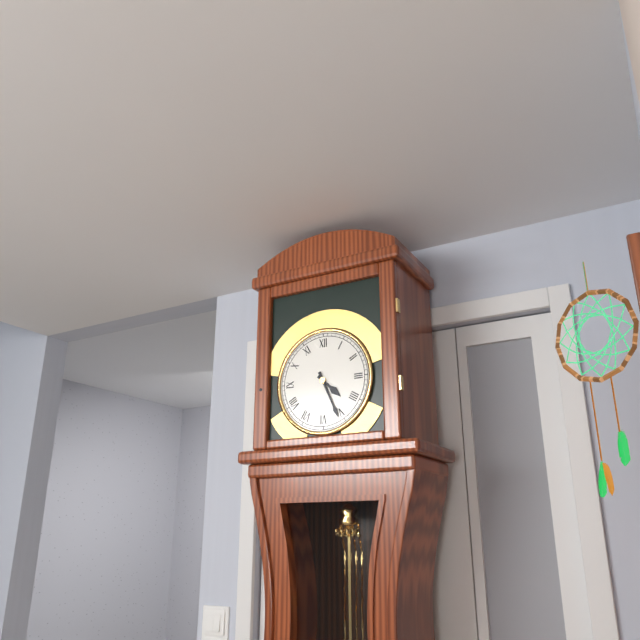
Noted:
4:26
